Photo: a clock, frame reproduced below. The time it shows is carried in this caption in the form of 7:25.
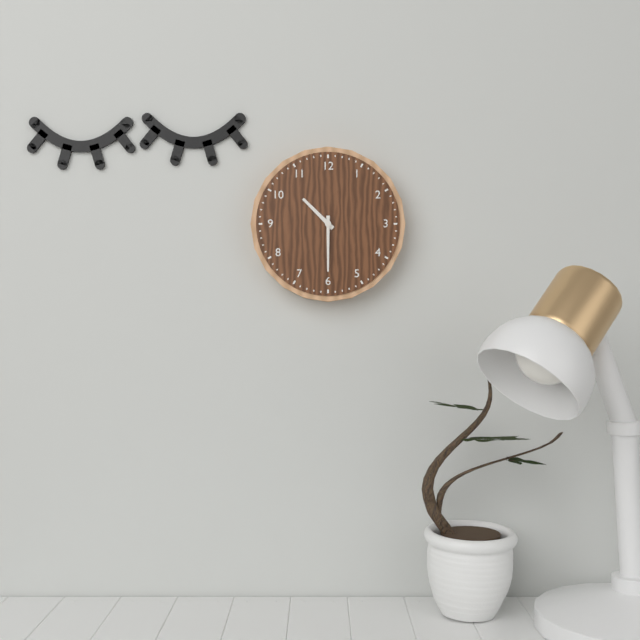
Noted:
10:30
